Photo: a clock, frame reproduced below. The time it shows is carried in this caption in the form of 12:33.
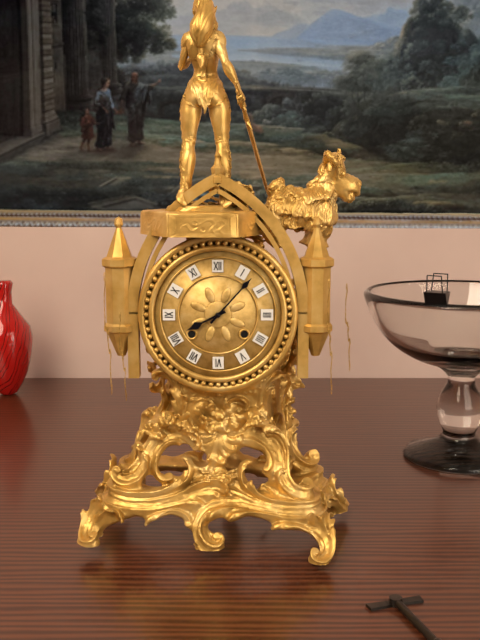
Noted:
8:07
